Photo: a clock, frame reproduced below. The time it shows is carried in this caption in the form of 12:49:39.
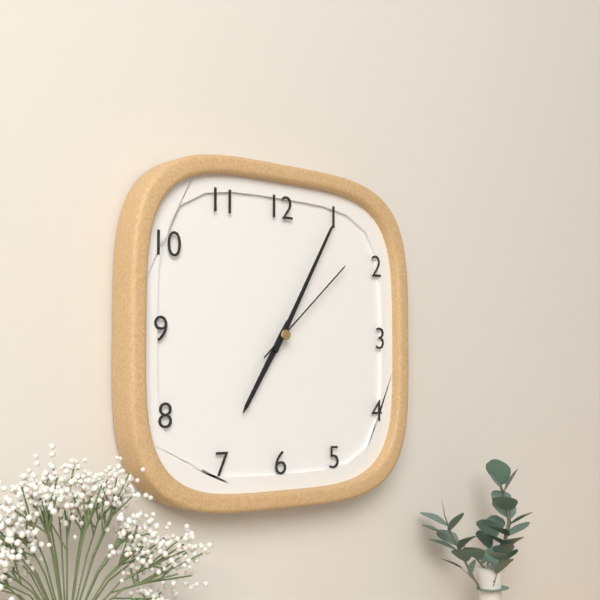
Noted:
7:05:08
